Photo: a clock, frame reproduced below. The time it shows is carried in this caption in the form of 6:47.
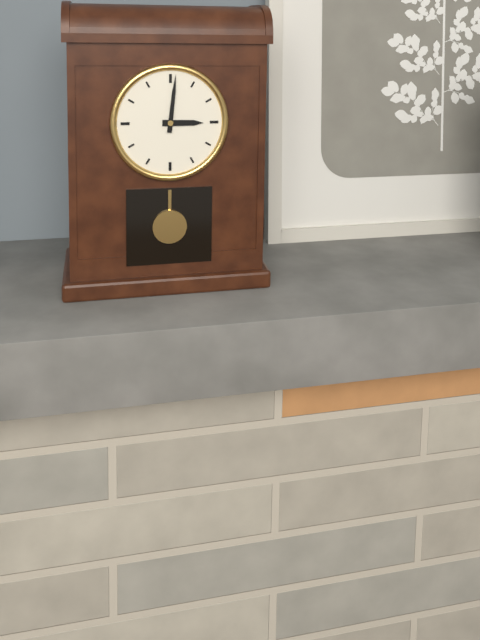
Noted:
3:01
